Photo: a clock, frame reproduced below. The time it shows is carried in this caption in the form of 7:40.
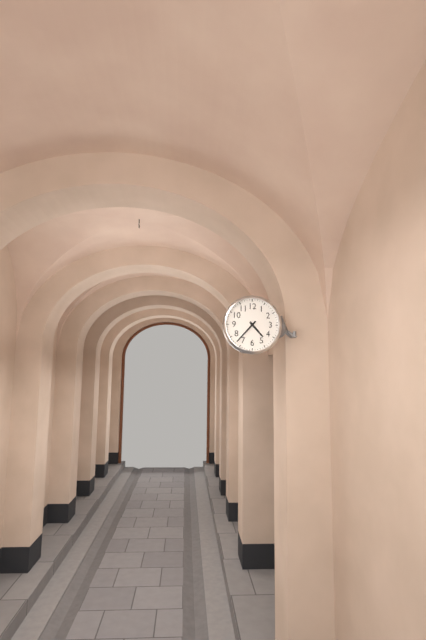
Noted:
4:37
